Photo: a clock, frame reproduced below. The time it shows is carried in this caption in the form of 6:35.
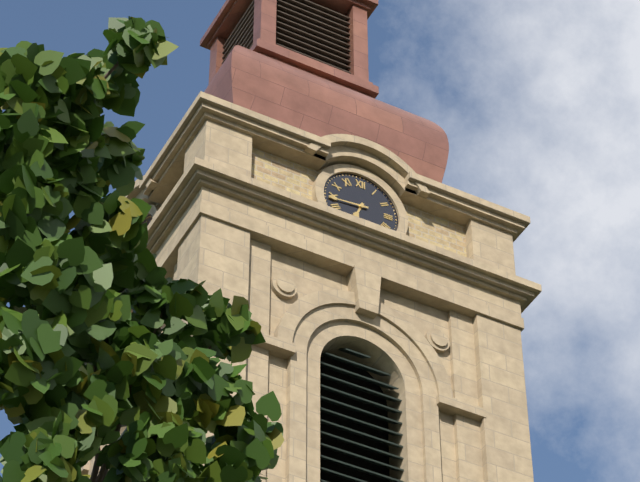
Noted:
6:44
